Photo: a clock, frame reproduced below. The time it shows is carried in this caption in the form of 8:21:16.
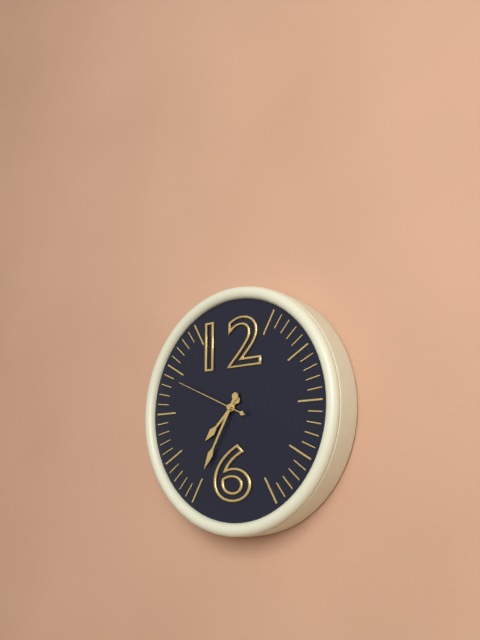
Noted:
7:35:49
